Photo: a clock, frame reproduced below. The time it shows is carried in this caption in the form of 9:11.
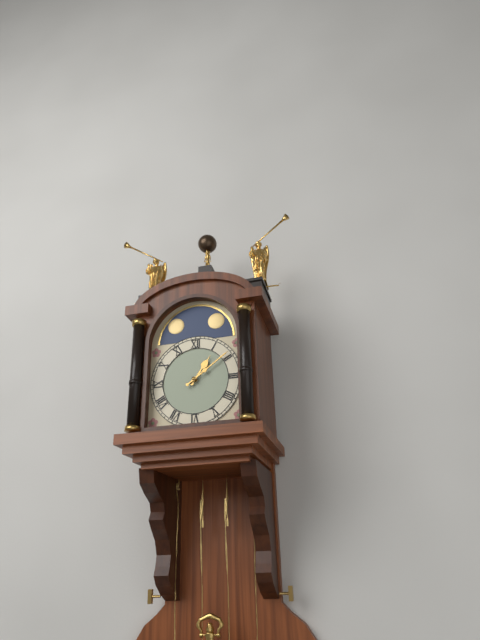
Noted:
1:09
